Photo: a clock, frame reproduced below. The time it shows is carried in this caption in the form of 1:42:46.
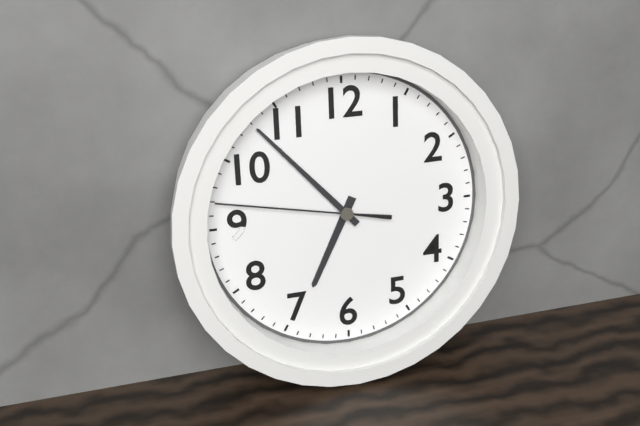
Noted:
6:53:47
